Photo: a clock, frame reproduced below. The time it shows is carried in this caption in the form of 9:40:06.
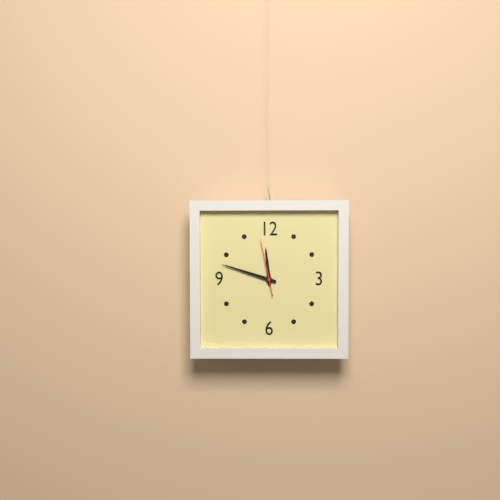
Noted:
11:48:58
